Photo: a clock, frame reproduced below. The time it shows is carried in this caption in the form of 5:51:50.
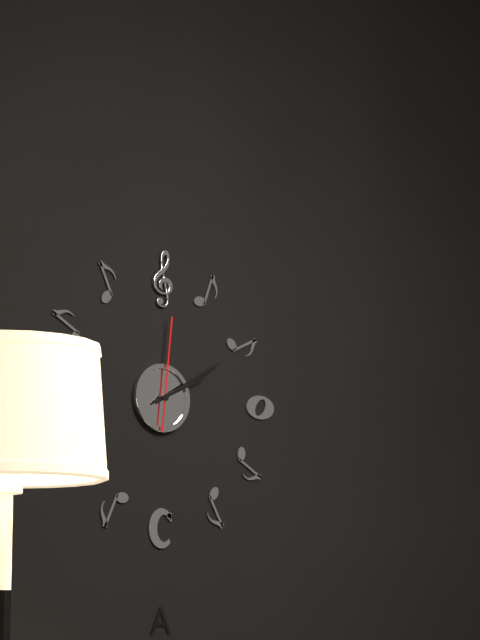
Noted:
2:10:01
